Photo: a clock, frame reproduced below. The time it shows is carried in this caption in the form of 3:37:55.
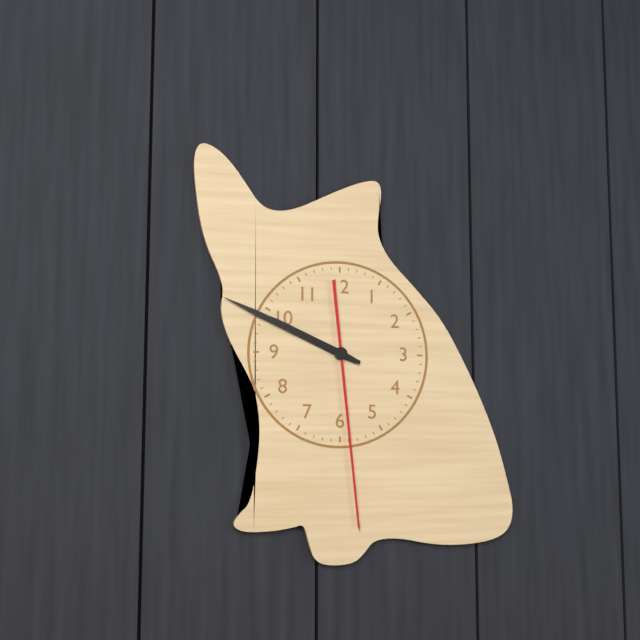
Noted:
9:49:29
